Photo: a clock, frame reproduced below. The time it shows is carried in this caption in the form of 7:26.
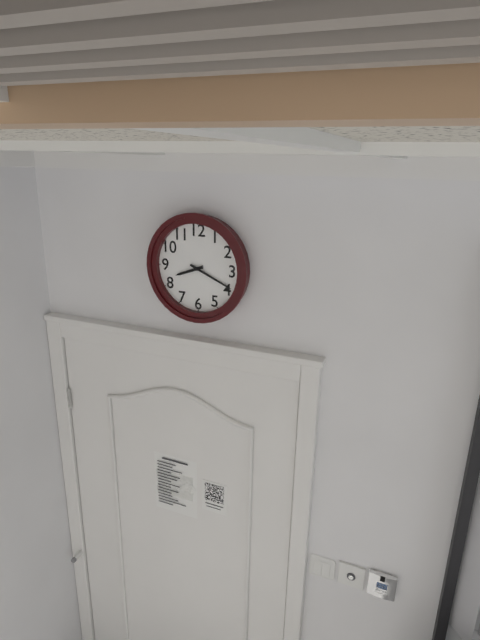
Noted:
8:19
